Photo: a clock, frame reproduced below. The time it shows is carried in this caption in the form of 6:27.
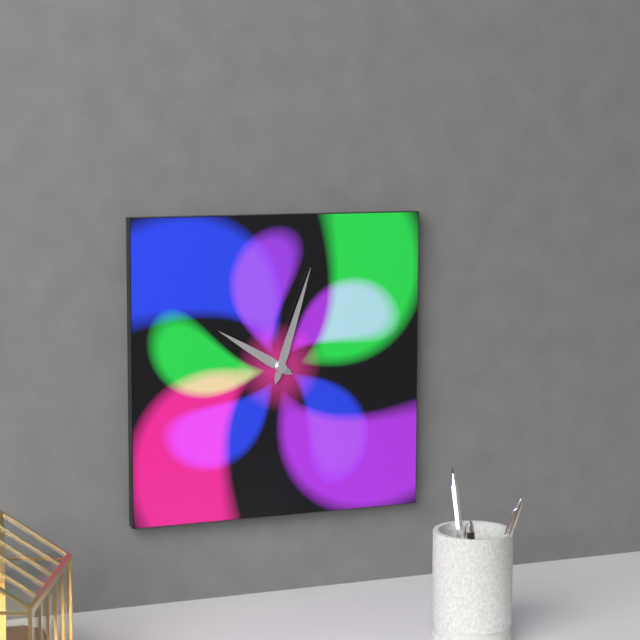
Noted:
10:03
